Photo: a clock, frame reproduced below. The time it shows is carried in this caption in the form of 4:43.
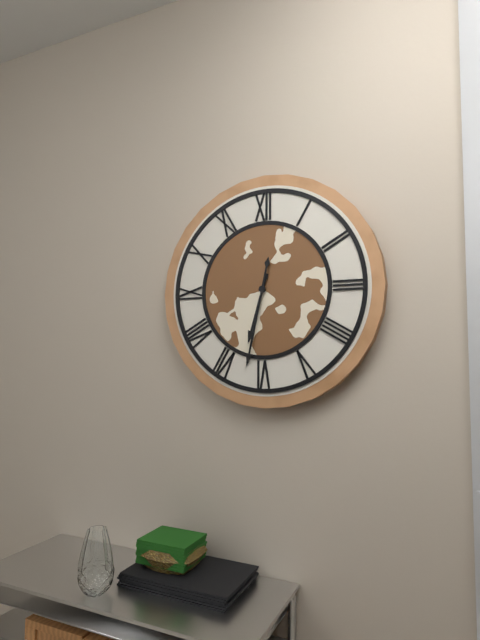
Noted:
6:32
